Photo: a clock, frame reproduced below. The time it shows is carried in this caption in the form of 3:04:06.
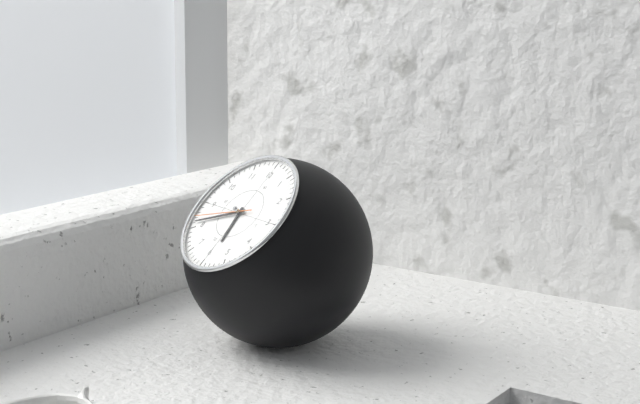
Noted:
5:41:42
